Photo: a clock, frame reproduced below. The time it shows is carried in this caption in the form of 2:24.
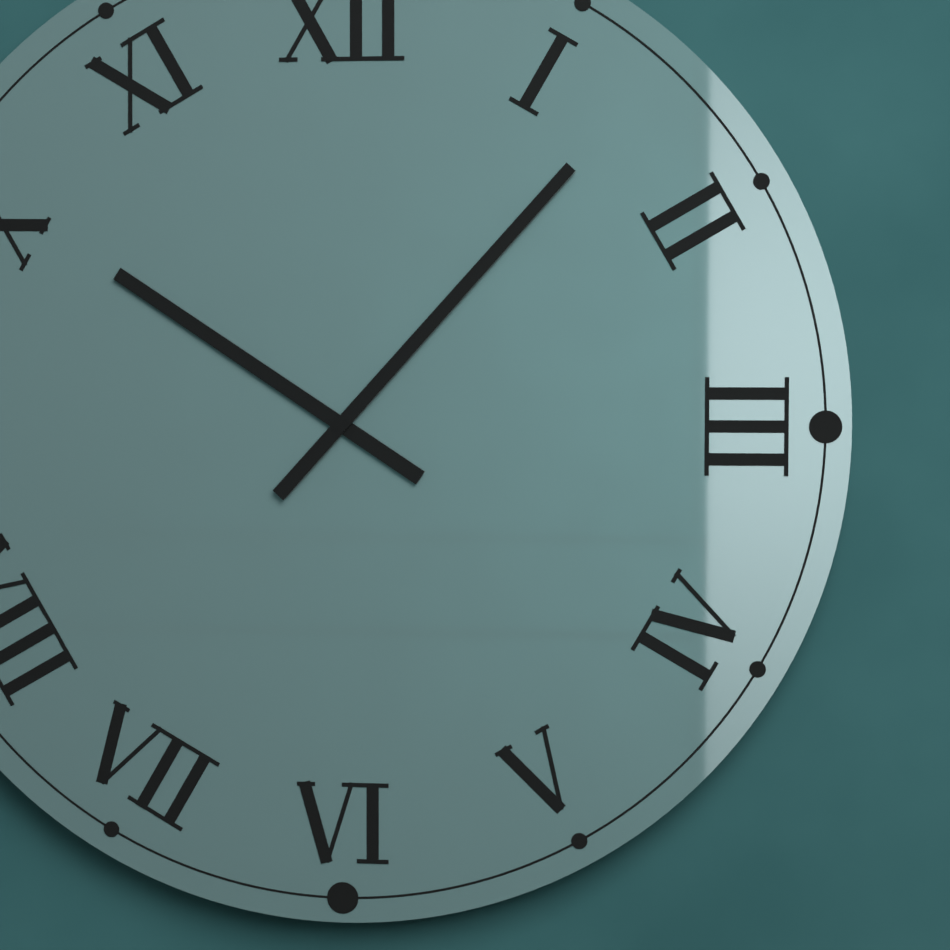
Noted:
10:07
